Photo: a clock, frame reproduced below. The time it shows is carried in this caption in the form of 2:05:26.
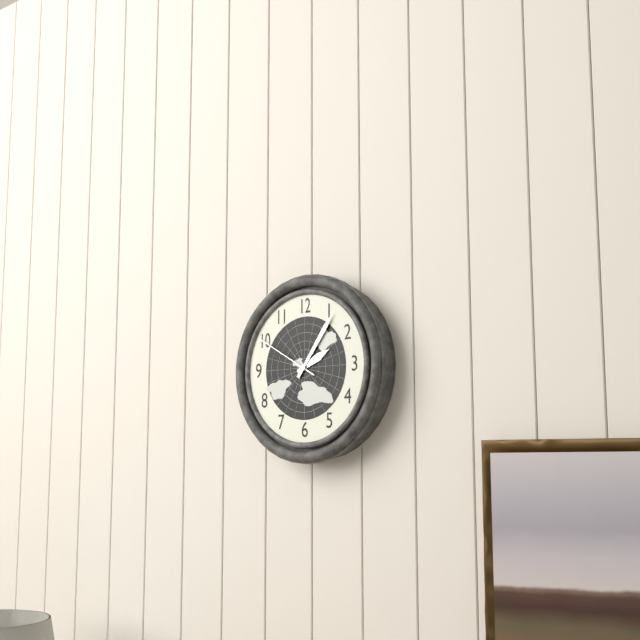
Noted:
2:06:50
